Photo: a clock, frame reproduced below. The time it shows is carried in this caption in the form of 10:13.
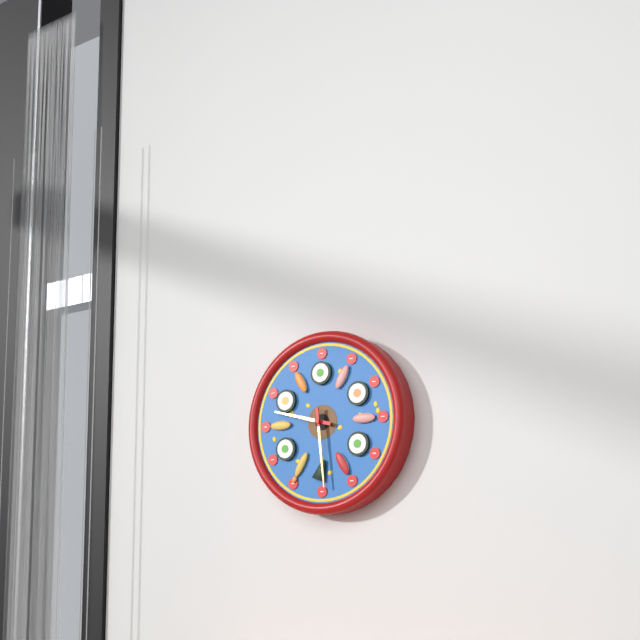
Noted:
9:29
